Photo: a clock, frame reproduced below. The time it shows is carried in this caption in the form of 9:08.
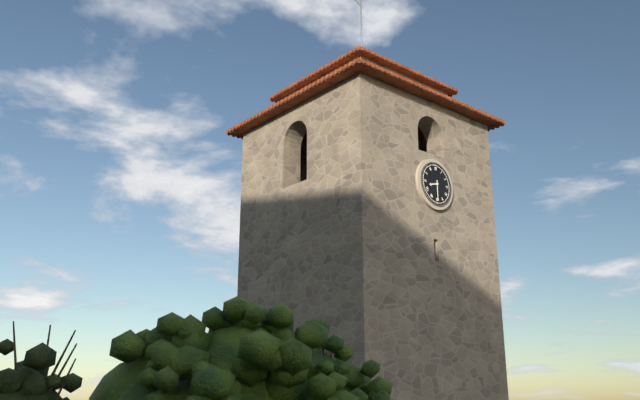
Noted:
8:30
